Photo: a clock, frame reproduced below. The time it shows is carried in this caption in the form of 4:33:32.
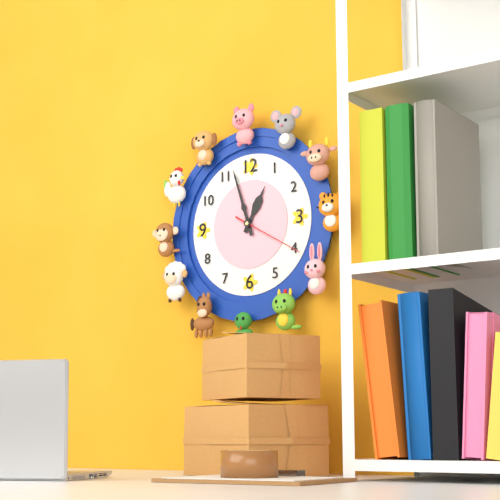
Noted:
12:57:20
